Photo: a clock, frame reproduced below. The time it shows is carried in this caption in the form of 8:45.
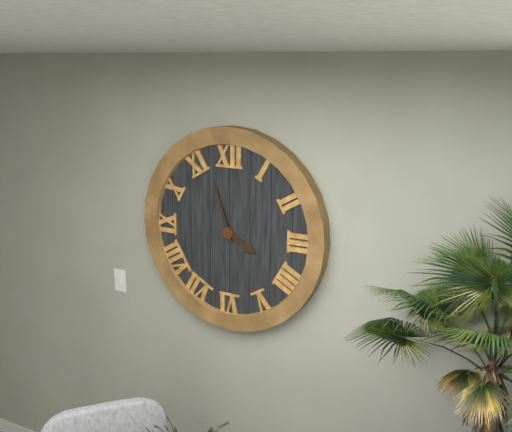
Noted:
3:57
